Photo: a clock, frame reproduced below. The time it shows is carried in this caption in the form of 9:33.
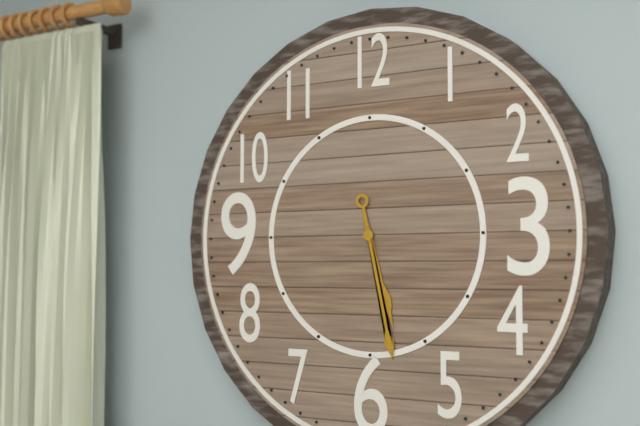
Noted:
5:28
